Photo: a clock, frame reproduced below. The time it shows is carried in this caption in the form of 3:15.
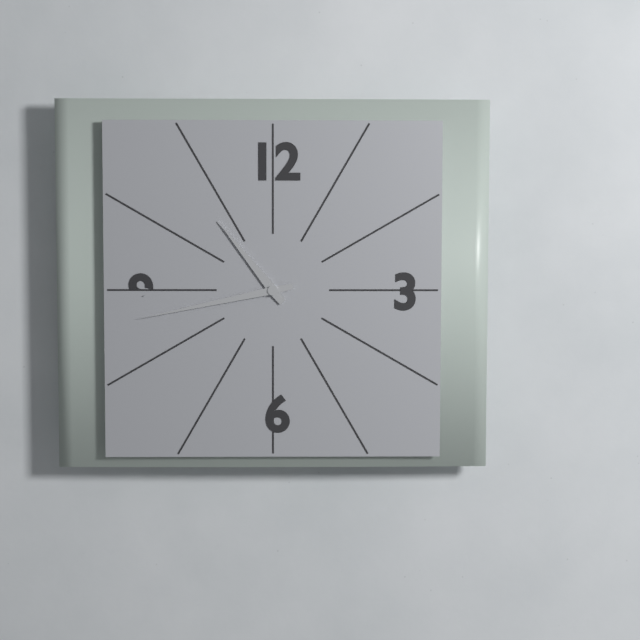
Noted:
10:43
